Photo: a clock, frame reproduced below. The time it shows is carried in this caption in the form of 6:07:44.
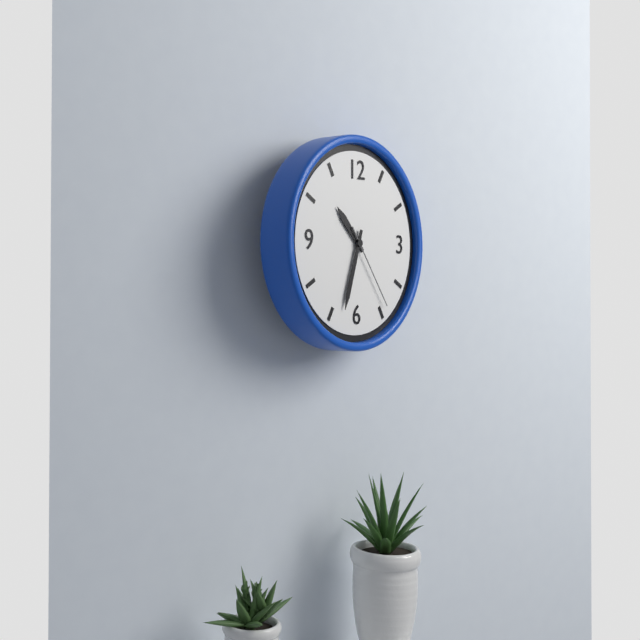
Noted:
10:33:24
